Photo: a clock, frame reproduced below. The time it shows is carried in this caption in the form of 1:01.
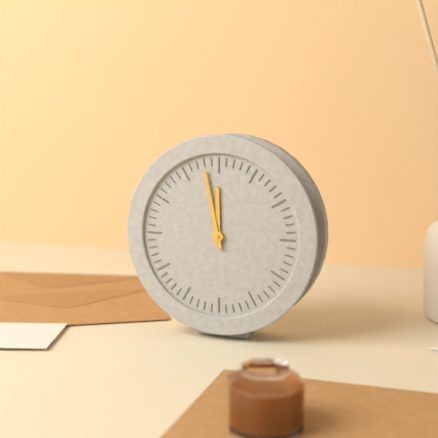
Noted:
11:58
